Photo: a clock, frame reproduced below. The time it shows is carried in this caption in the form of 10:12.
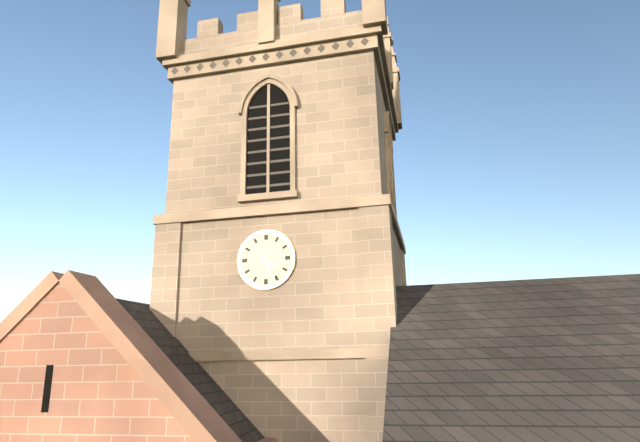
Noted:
4:26
